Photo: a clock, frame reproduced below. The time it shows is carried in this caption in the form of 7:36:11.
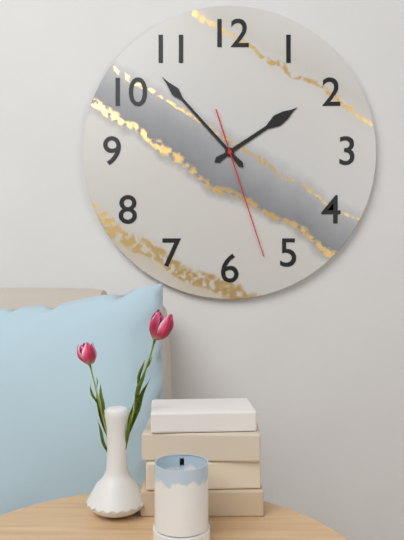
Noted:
1:53:27
